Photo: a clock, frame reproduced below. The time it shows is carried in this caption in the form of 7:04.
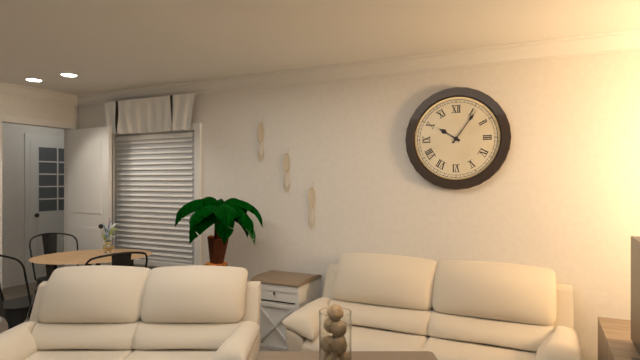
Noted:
10:06
